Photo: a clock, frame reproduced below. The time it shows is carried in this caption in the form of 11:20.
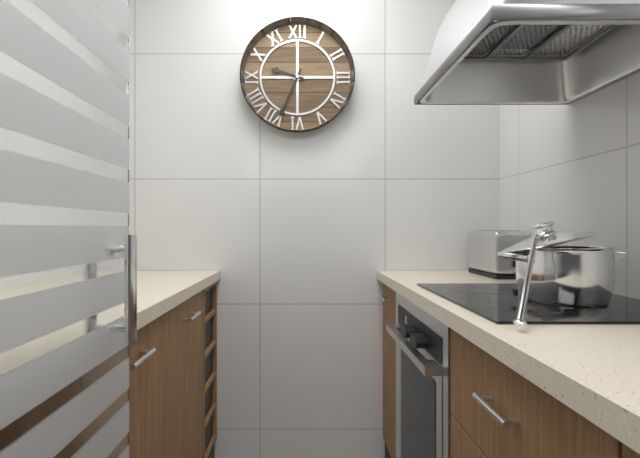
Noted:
9:34
